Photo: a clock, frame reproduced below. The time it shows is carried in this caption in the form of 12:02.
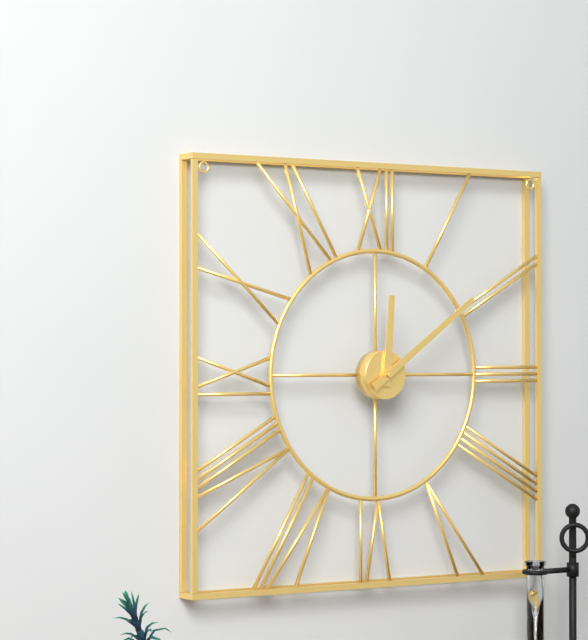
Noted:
12:09
